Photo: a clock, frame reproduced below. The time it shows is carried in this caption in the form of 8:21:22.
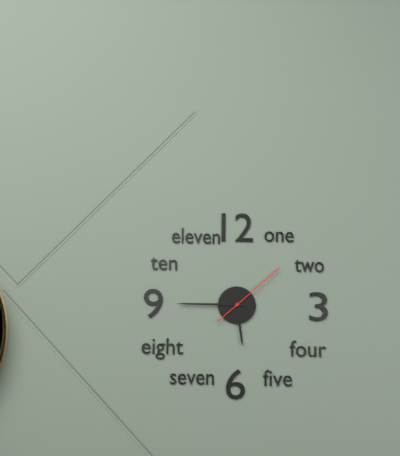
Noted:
5:45:08
